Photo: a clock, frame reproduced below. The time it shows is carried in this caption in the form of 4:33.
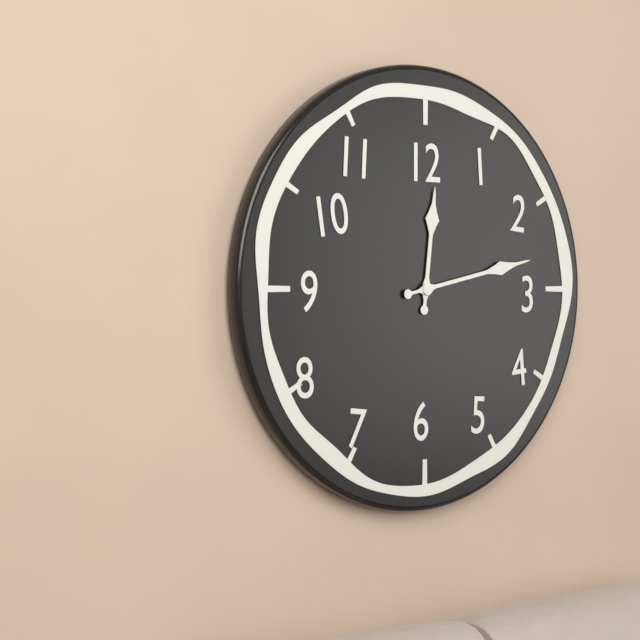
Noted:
12:13
